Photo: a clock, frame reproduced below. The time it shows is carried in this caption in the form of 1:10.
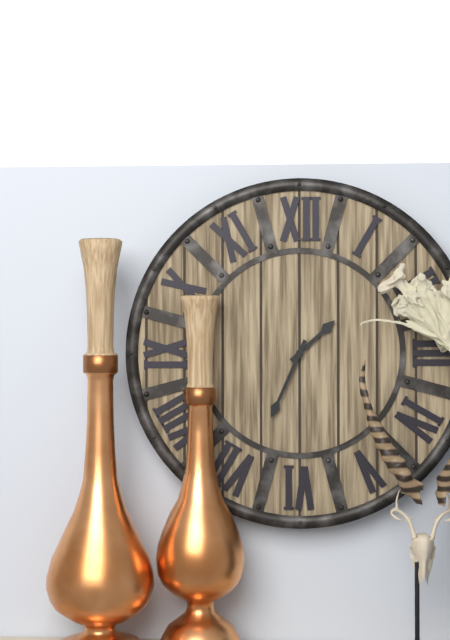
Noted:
1:34
